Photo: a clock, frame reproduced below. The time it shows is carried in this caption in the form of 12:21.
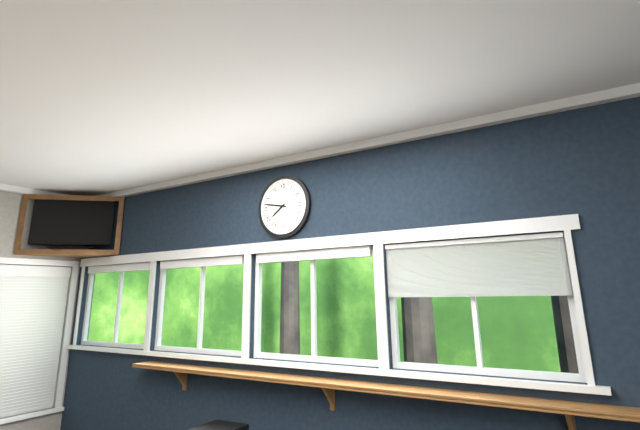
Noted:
7:47
